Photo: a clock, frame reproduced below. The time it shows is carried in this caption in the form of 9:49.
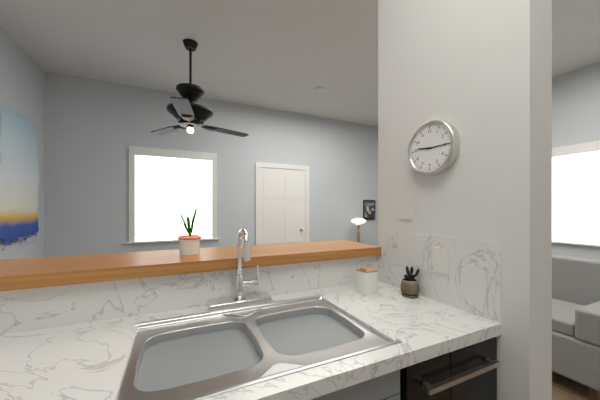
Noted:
9:15
